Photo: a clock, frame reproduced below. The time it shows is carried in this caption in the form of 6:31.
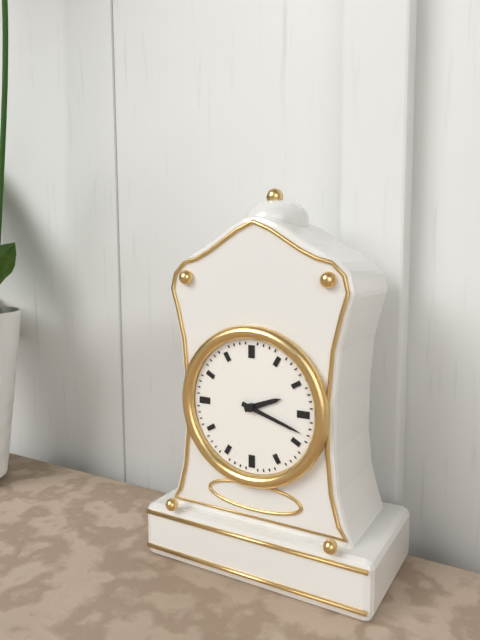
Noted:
2:18
